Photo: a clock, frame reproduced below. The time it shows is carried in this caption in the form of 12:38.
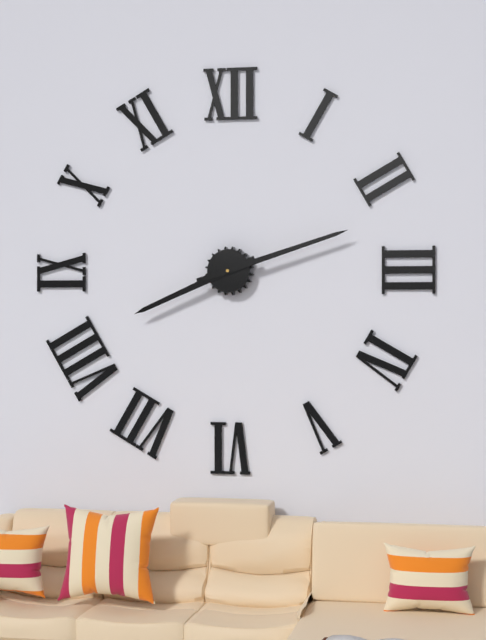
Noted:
8:12
